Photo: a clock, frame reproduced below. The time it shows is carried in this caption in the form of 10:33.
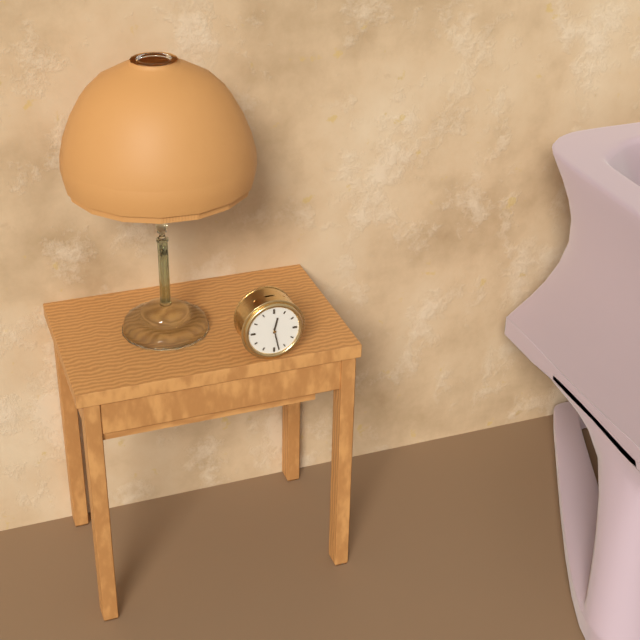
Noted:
12:28
